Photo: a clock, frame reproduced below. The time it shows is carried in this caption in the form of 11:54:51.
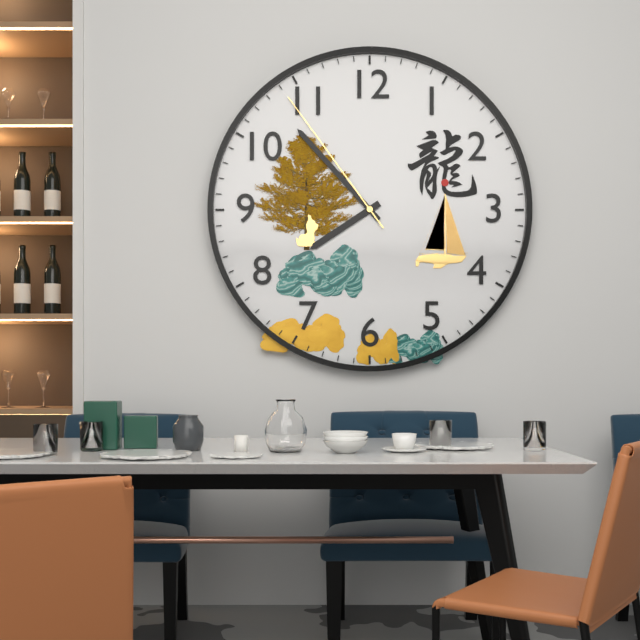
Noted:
7:53:54
